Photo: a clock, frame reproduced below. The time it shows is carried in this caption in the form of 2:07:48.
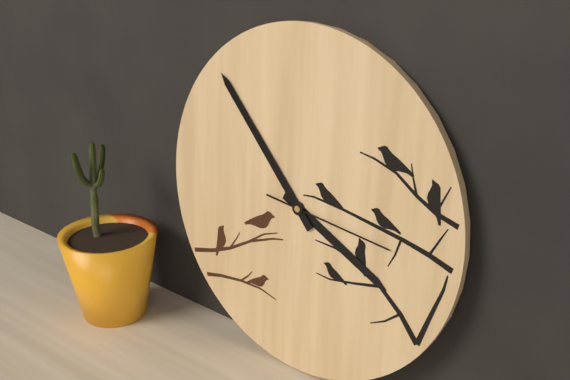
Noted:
3:53:16
